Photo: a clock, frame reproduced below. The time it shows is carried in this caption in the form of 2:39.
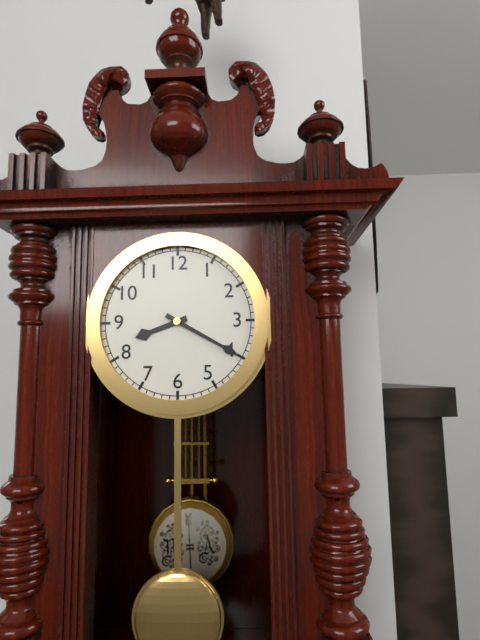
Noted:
8:20
